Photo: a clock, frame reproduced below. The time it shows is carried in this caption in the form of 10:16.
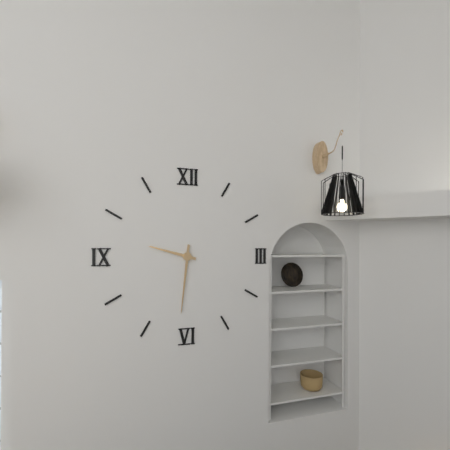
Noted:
9:31
